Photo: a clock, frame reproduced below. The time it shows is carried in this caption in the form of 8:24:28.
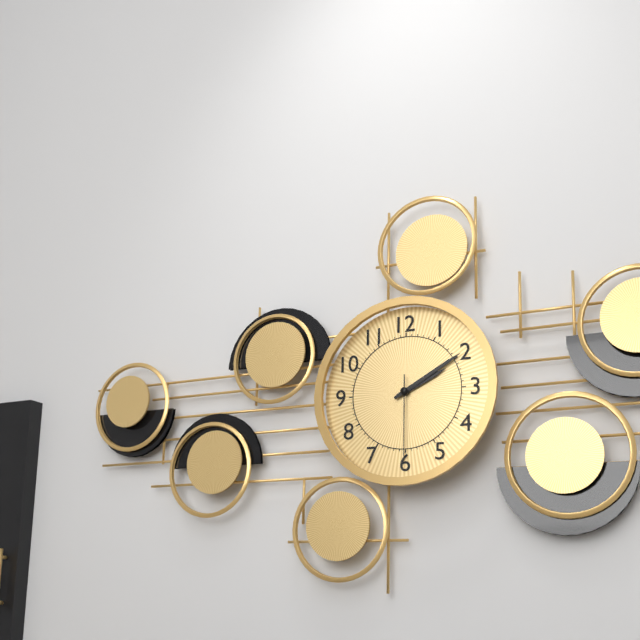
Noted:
2:10:30
